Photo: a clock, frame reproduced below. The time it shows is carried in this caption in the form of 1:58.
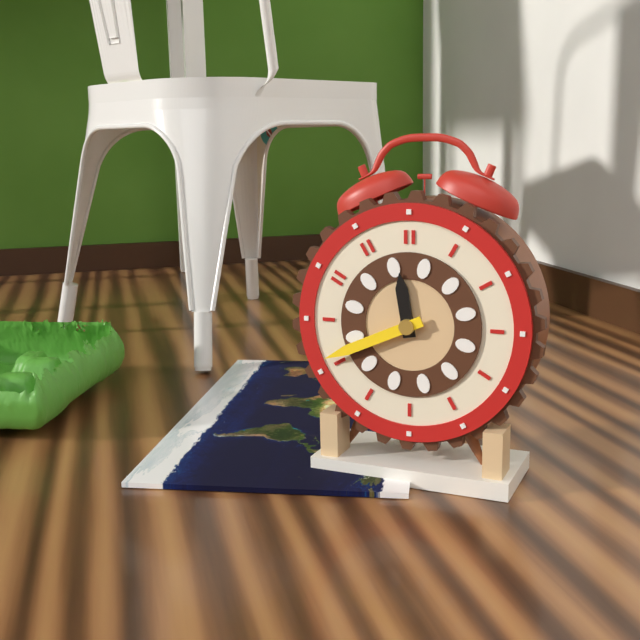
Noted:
11:41
